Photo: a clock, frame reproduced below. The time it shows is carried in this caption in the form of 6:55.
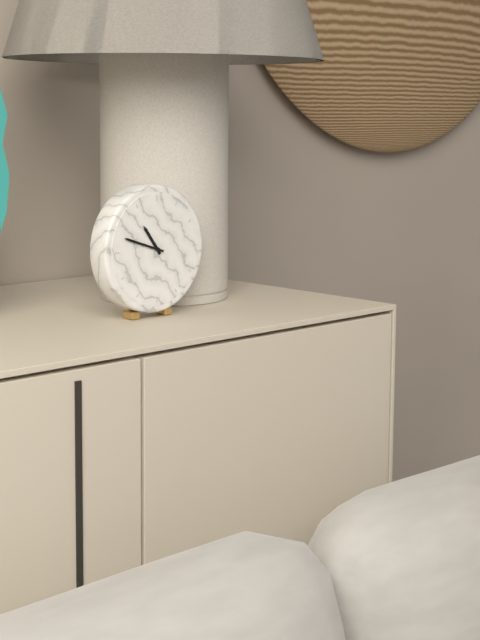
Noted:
10:48
